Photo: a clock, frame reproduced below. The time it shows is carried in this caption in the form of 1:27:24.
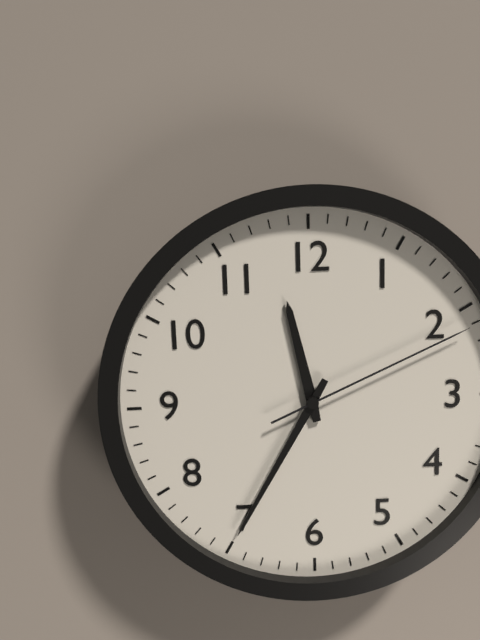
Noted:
11:35:11
